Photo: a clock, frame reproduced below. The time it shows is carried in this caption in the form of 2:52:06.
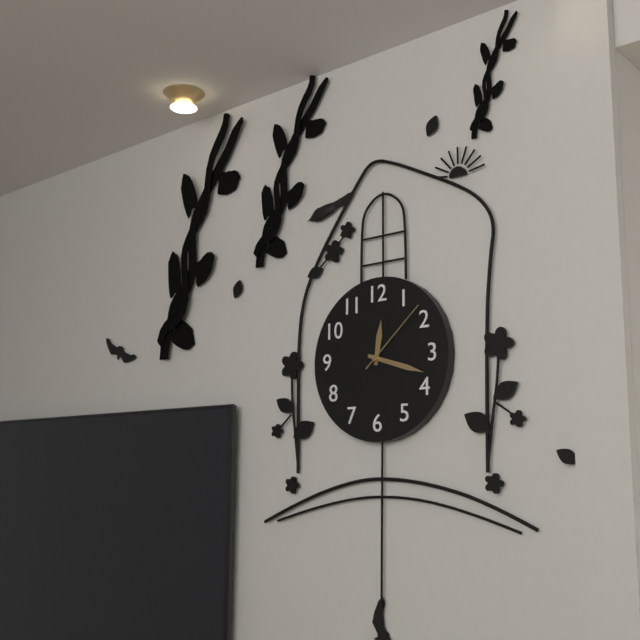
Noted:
12:18:08
